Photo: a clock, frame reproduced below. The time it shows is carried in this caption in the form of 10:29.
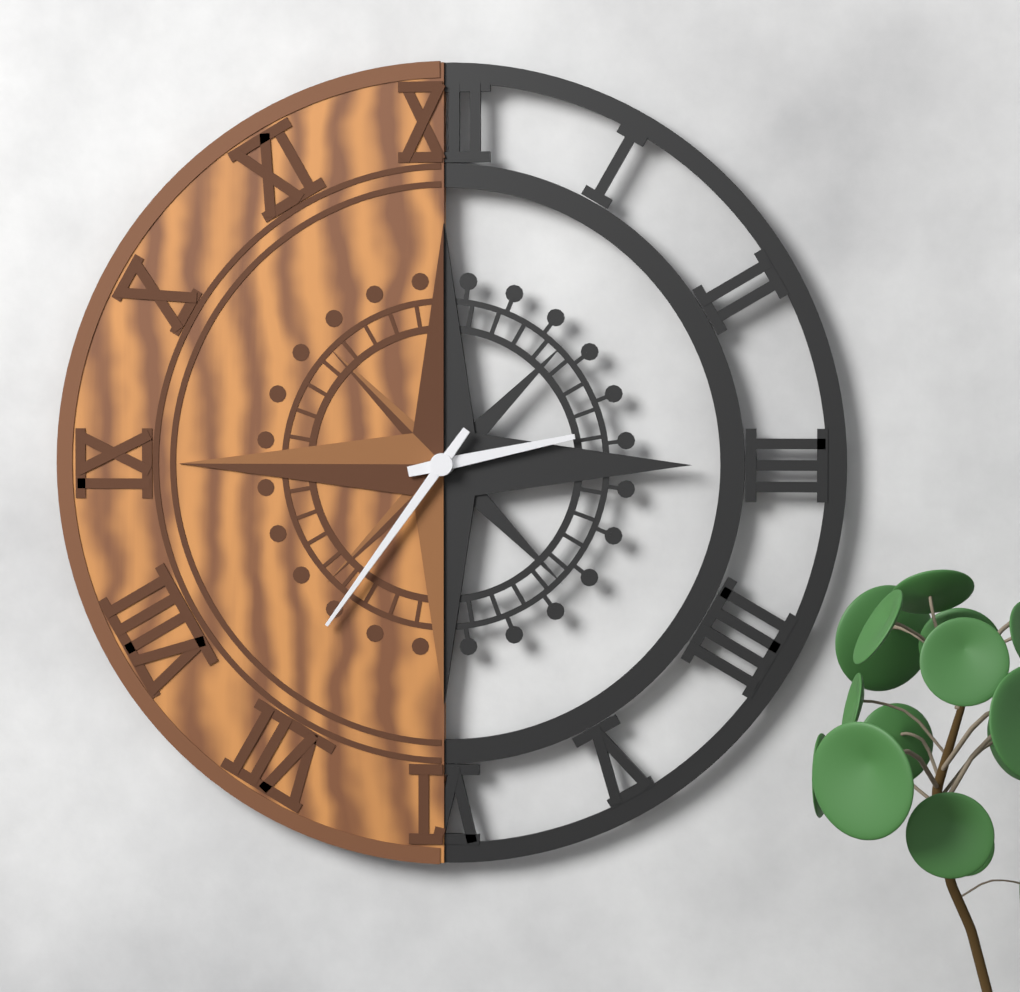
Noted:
2:36
